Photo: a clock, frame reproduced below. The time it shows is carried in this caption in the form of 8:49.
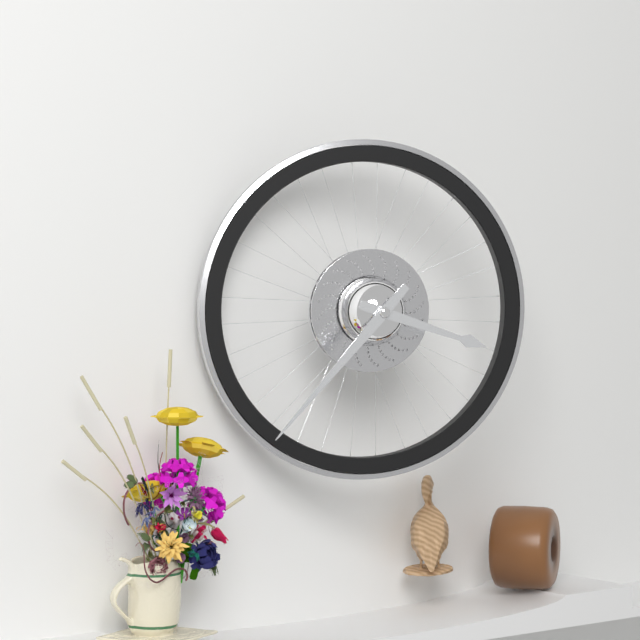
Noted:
3:37
